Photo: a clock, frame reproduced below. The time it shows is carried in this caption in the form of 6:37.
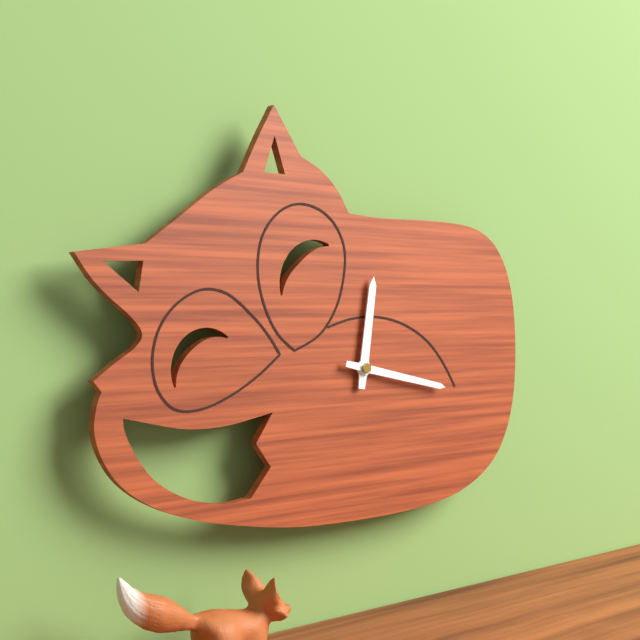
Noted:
12:17
